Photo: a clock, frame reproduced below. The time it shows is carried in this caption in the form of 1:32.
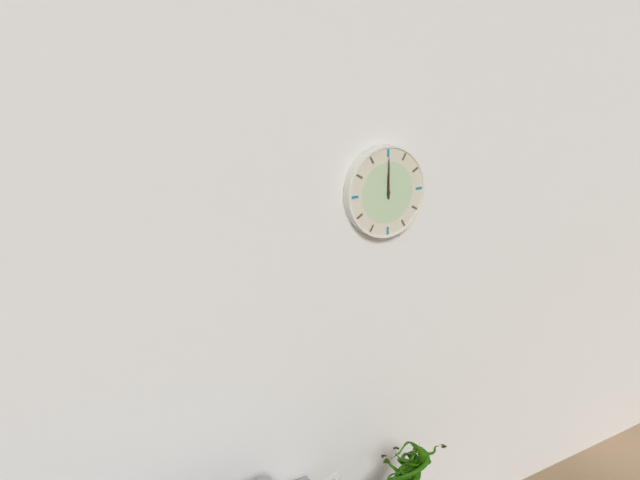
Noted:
12:00
